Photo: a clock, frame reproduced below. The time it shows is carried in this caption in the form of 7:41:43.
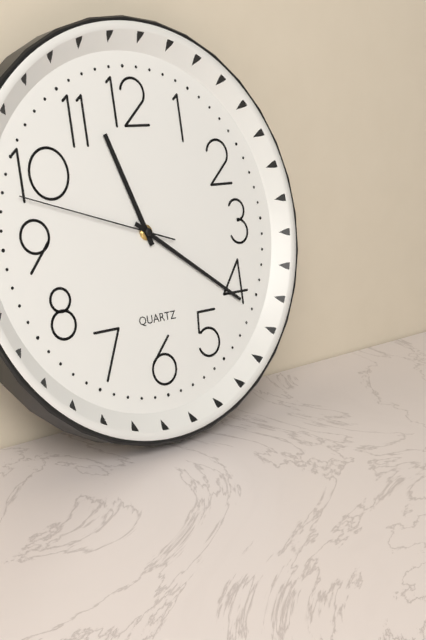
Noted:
11:21:48
